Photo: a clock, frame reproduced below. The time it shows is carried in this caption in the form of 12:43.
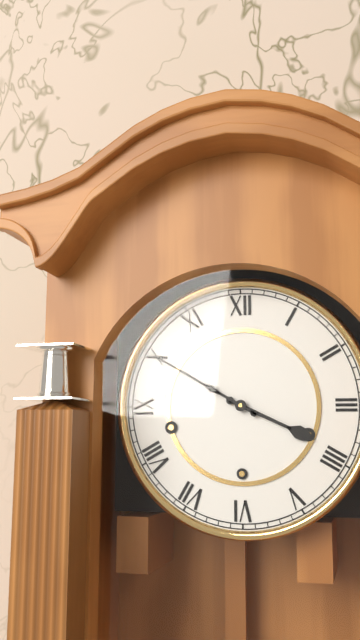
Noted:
3:50
